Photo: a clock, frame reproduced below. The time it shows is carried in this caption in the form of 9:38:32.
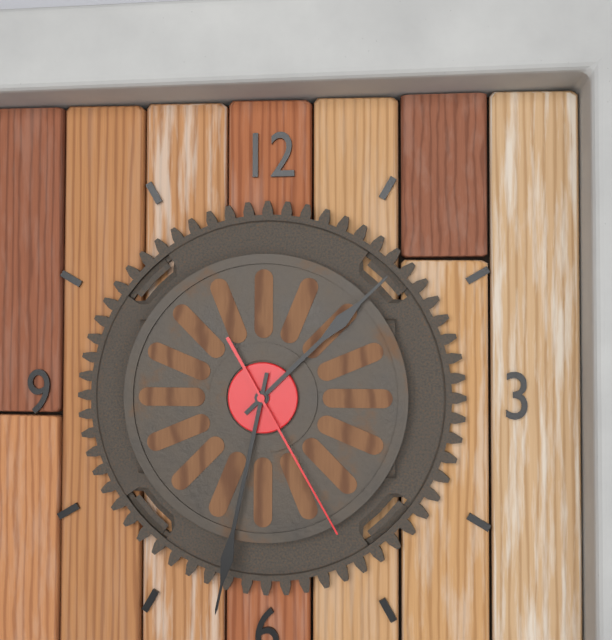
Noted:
1:32:25
